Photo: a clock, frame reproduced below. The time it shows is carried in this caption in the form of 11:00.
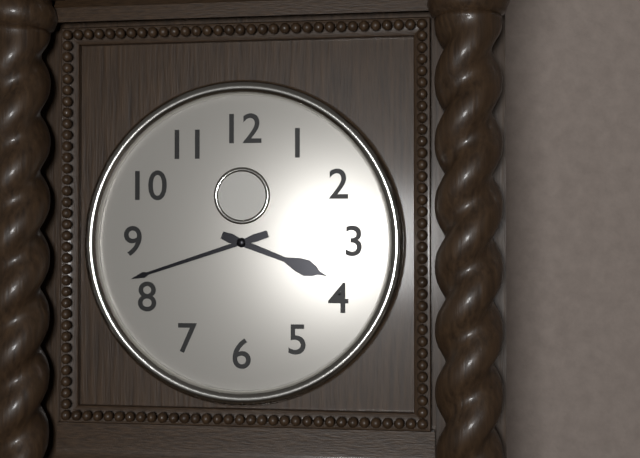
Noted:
3:42
